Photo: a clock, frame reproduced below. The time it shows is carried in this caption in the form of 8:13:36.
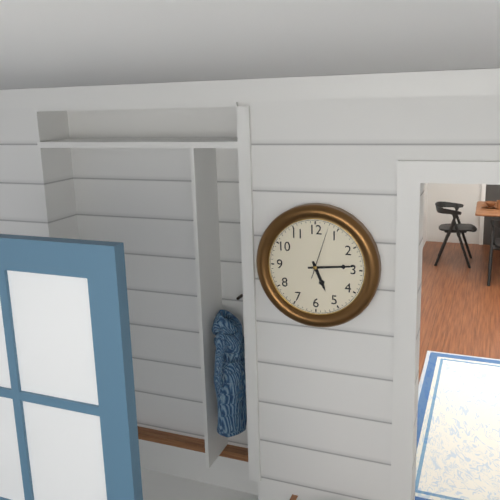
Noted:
5:14:03
